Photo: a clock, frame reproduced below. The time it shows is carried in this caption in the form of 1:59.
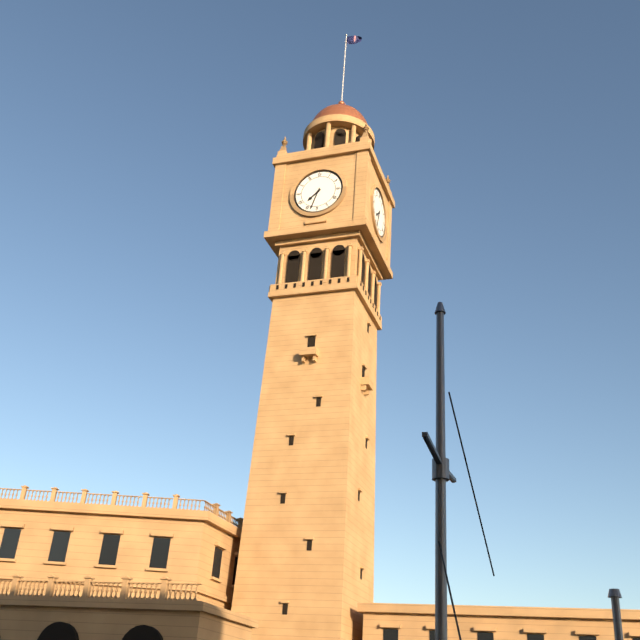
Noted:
7:33
